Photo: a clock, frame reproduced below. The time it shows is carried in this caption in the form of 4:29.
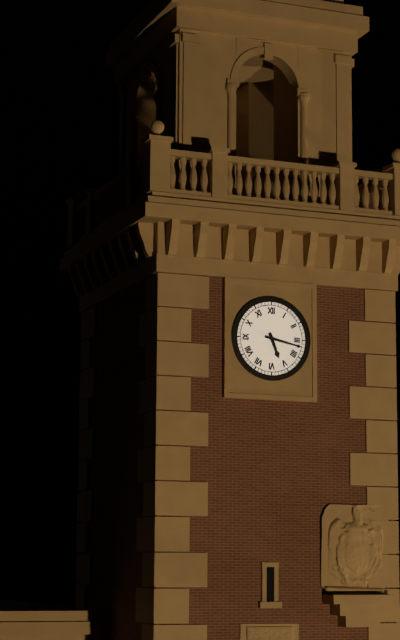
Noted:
5:17
